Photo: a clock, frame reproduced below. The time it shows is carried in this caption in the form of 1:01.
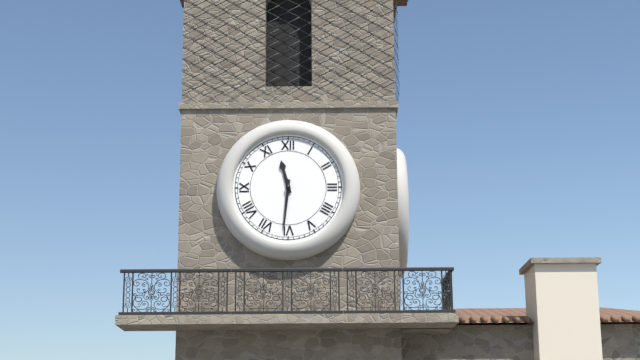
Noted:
11:31
